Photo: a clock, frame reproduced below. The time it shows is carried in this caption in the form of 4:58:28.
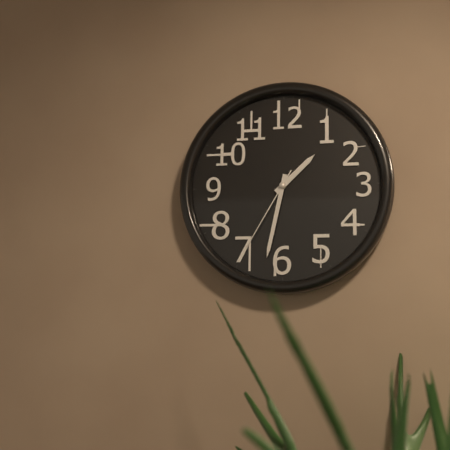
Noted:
1:32:35
